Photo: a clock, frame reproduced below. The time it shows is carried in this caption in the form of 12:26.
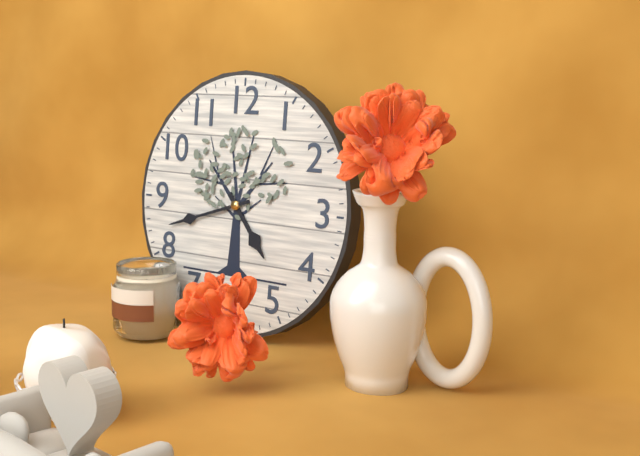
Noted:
4:42
